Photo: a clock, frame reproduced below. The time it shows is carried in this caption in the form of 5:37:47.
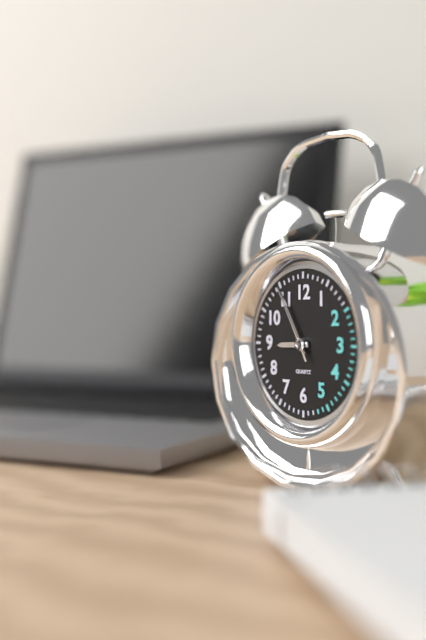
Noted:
8:55:55
